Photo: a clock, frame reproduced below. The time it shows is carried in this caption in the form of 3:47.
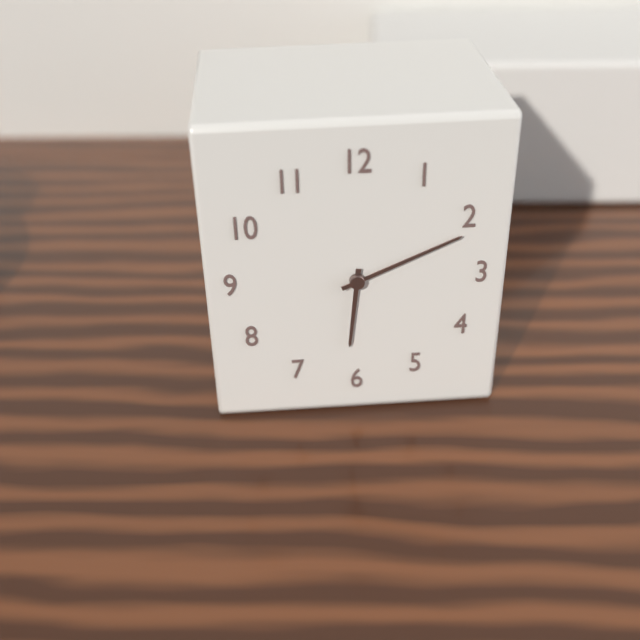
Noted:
6:11
